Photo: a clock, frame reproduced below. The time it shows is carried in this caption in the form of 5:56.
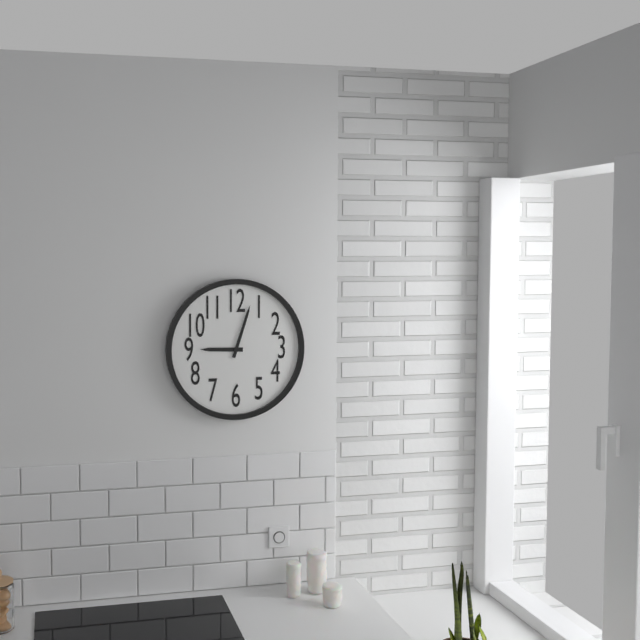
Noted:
9:03
